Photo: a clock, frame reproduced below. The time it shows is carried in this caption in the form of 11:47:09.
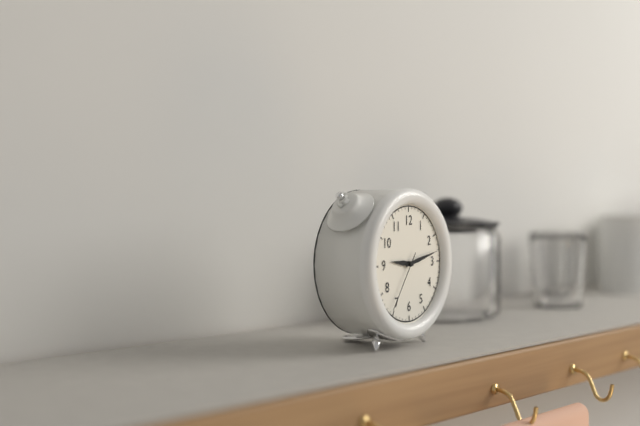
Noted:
9:13:36
